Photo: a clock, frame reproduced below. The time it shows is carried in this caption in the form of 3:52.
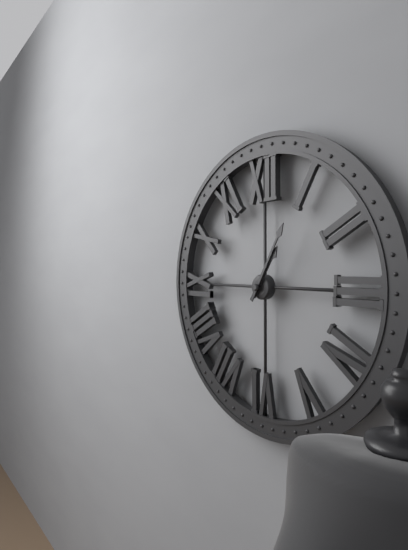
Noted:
1:05
